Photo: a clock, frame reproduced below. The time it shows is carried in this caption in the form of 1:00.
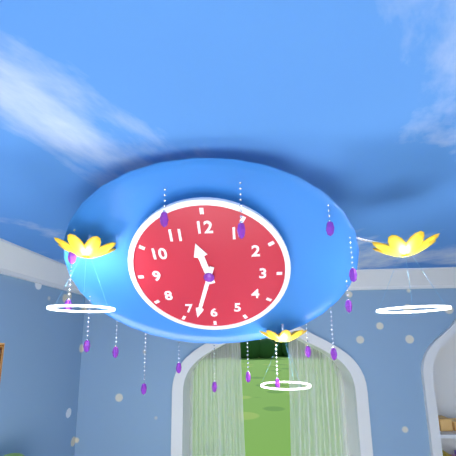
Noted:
11:33
